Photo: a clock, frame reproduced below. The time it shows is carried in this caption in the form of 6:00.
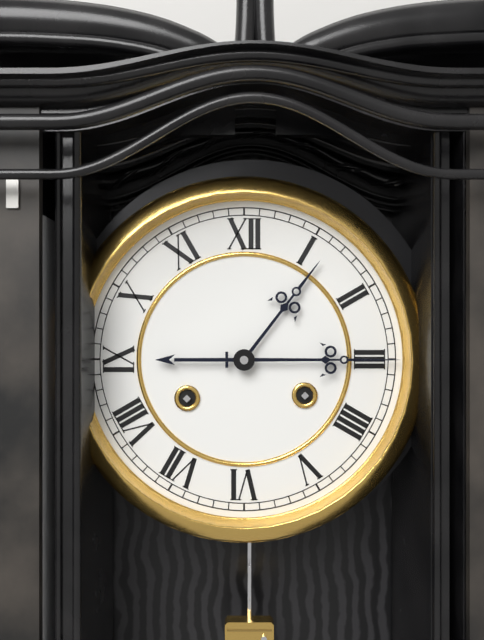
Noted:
1:15
